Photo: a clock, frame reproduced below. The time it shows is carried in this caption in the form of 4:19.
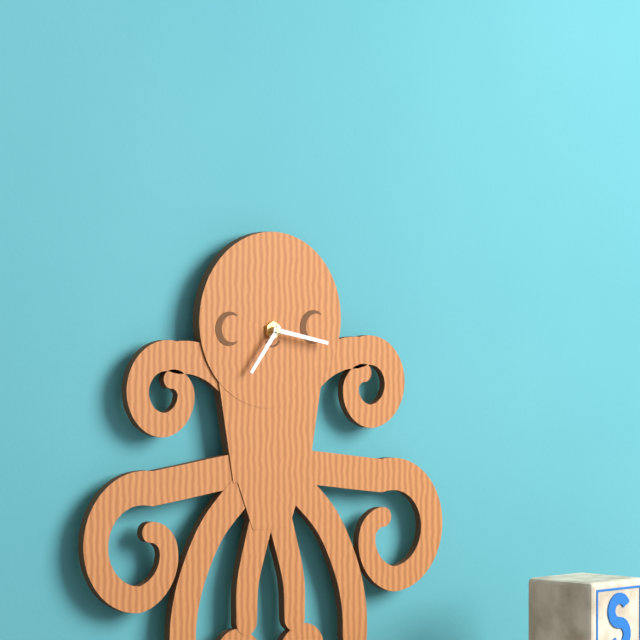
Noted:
7:17
